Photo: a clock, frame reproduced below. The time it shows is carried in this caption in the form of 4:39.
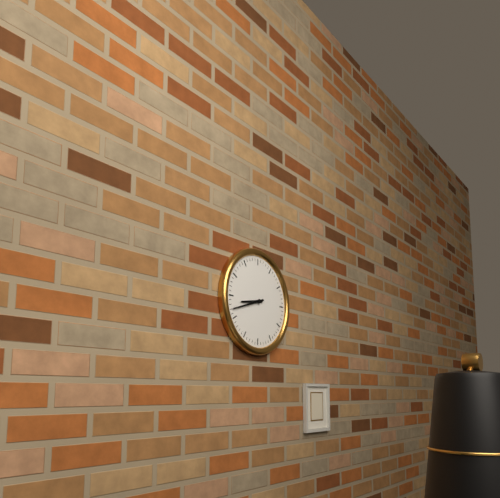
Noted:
8:42
